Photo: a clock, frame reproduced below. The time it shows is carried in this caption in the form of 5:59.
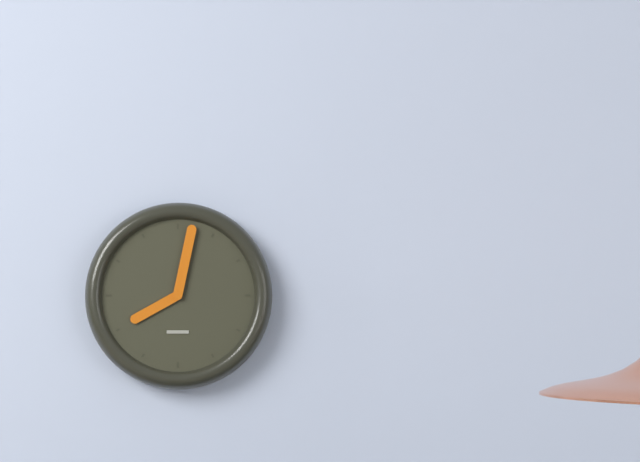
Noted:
8:02
